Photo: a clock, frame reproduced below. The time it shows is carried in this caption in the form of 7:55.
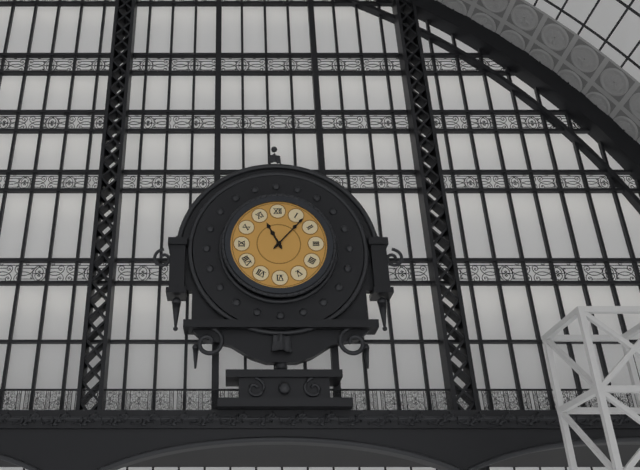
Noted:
11:07
